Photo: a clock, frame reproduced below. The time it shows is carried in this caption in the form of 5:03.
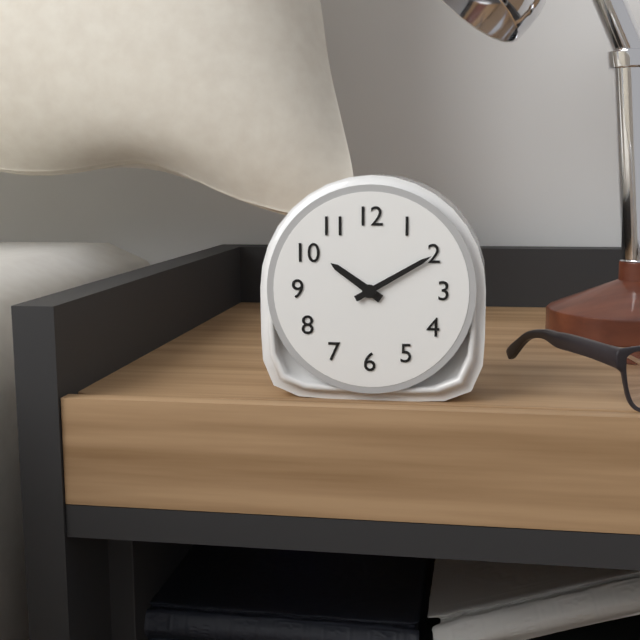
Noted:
10:10
